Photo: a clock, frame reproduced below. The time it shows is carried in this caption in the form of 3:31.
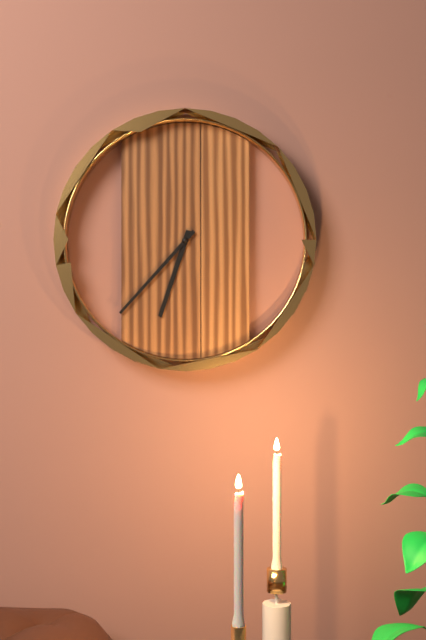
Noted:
6:37
